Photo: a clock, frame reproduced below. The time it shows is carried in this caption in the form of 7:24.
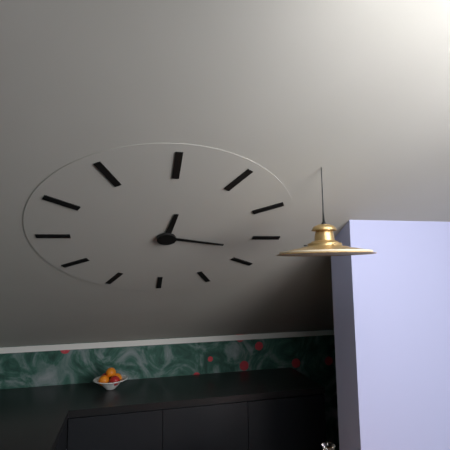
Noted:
12:17
